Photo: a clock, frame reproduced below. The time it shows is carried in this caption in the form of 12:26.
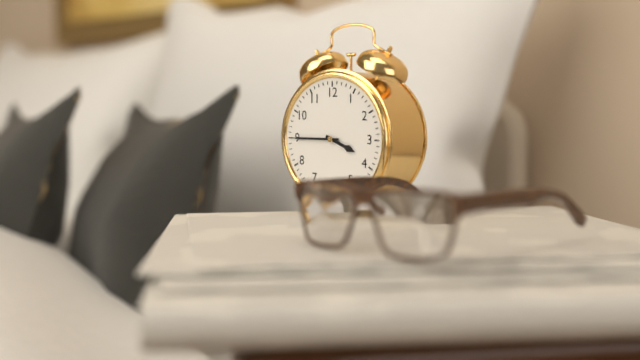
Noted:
3:45
